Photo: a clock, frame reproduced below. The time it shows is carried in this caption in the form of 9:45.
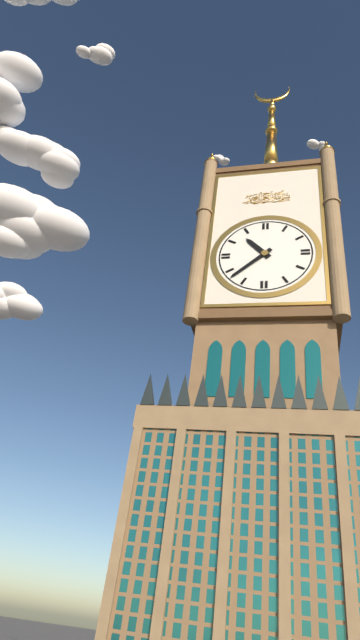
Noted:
10:38
